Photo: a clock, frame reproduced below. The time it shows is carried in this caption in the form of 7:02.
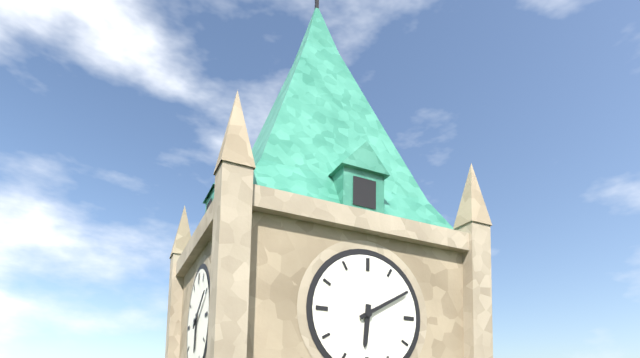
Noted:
6:10
